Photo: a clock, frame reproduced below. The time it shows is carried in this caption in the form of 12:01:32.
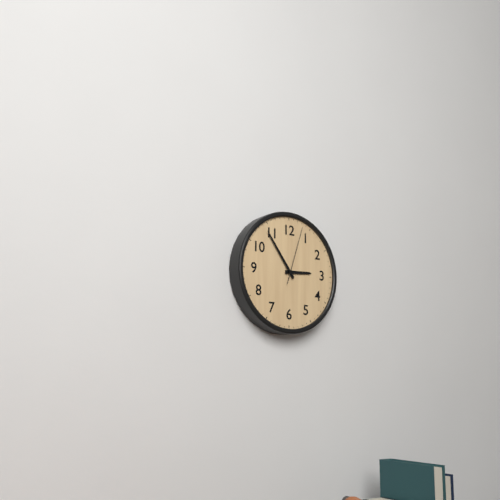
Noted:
2:54:03
